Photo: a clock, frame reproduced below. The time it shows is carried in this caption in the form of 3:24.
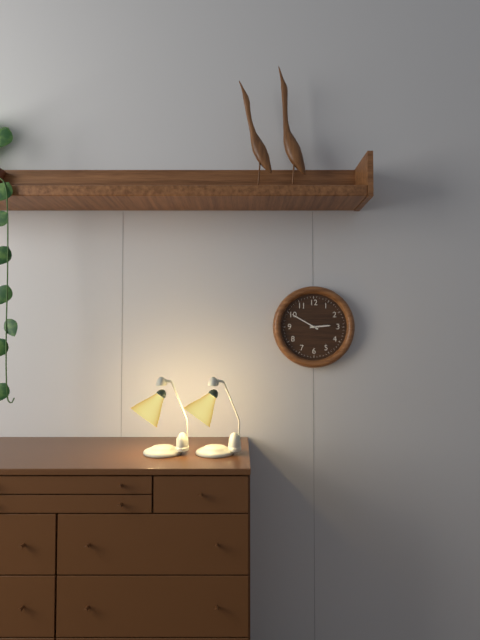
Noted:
2:50
